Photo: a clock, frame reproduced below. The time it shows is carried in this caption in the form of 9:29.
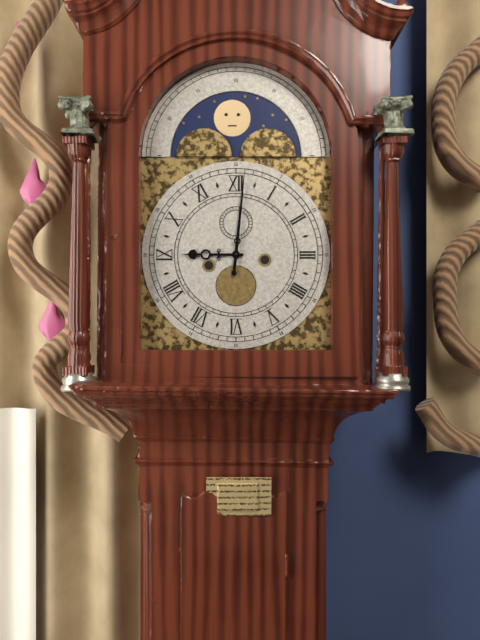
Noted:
9:01
